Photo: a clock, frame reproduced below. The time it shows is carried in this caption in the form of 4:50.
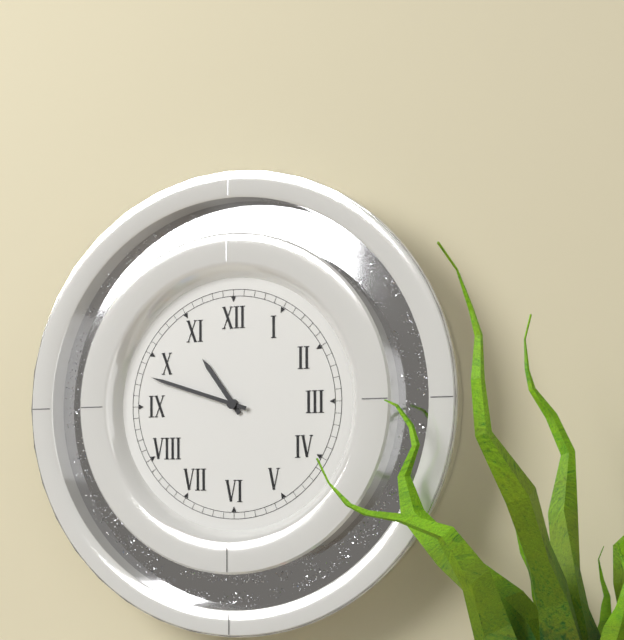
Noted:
10:48
